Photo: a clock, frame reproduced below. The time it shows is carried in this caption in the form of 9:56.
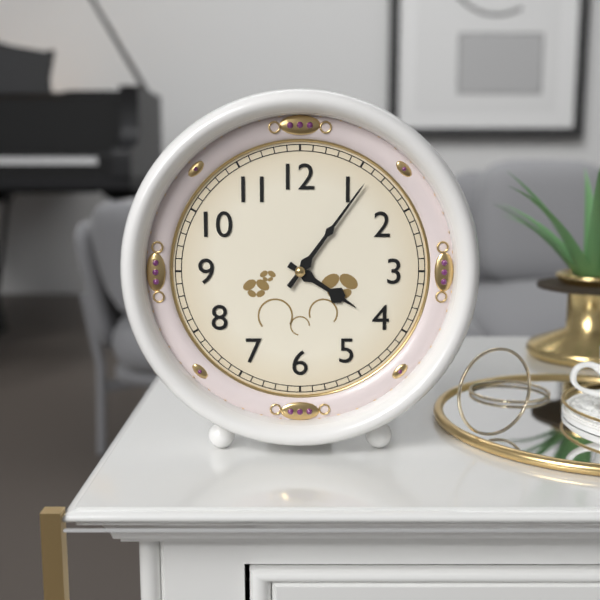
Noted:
4:06
